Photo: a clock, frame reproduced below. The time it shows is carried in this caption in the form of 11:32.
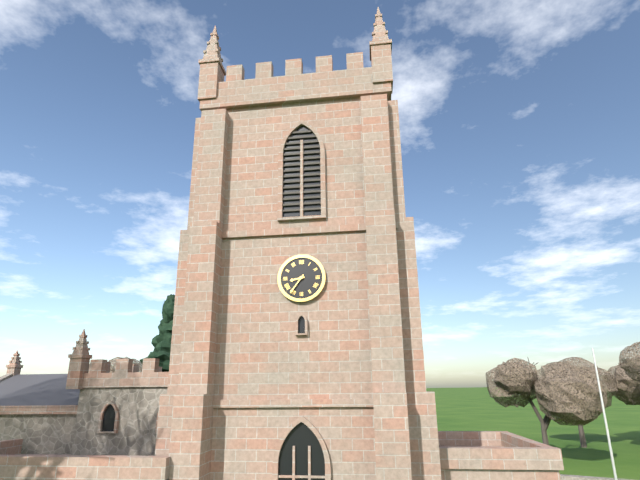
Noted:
8:36
